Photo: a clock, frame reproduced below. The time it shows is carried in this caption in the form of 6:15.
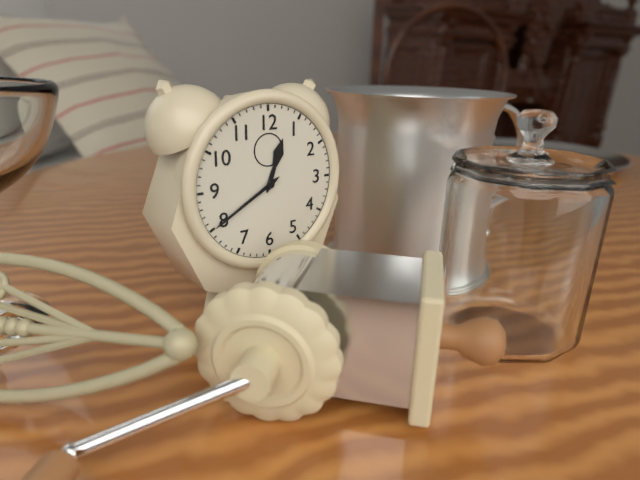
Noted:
12:40
